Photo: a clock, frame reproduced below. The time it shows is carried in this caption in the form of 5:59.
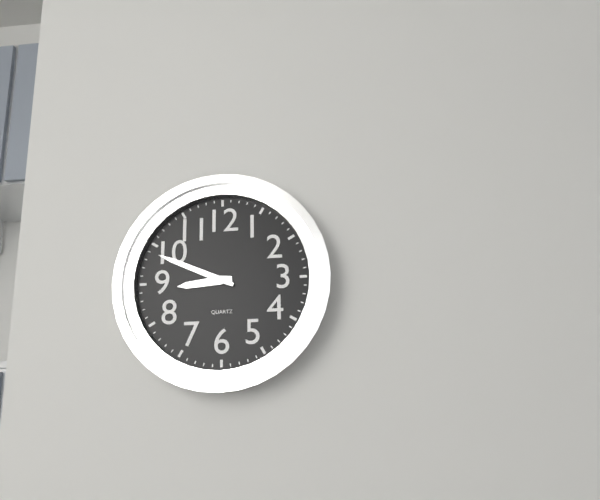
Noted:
8:49
